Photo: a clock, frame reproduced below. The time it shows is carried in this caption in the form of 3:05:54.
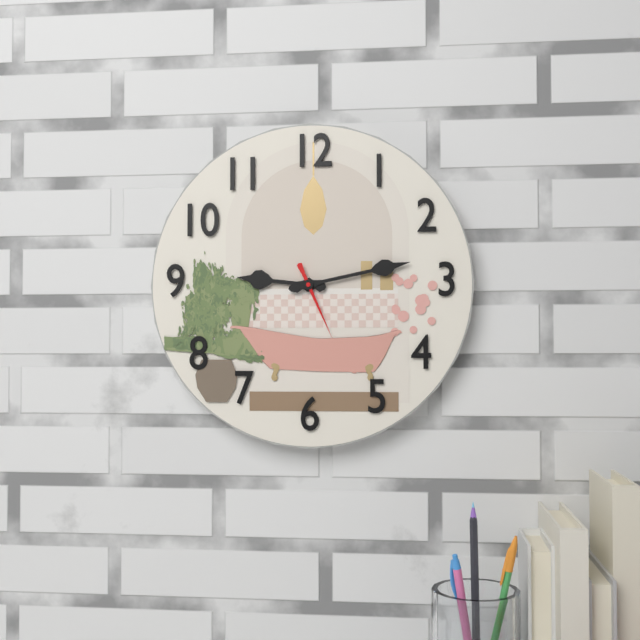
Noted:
9:13:26
